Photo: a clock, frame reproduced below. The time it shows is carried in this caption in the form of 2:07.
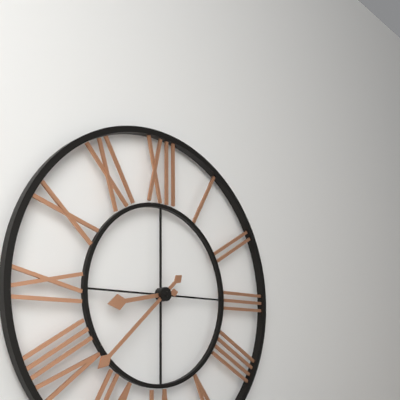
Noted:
8:38
